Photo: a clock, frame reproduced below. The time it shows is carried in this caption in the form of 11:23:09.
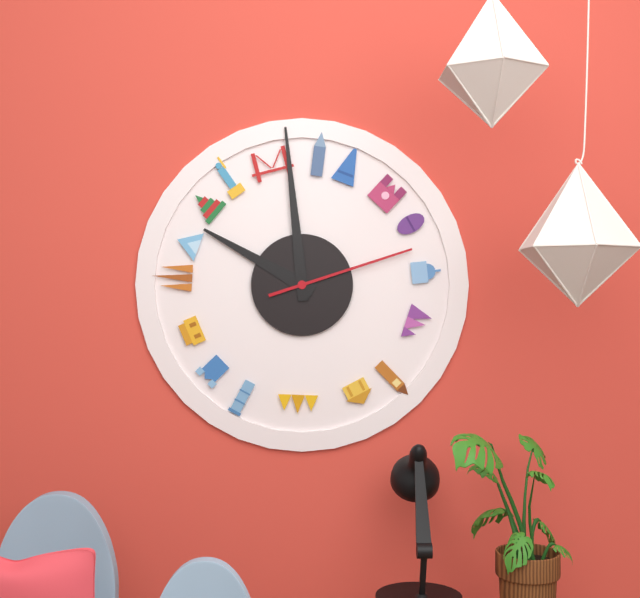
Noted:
9:59:12
